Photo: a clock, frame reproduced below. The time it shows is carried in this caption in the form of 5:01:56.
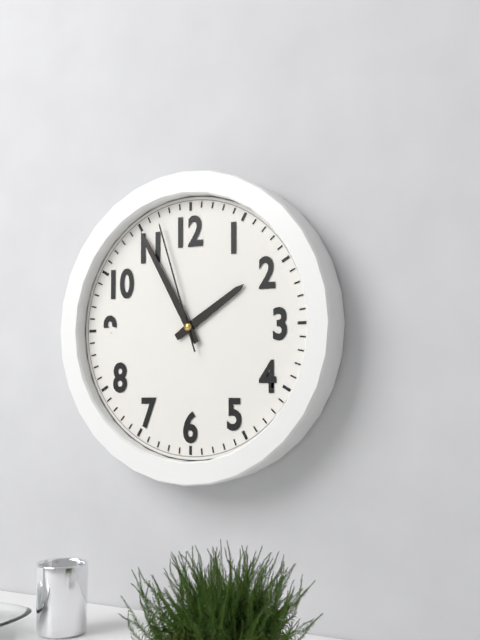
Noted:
1:55:57
